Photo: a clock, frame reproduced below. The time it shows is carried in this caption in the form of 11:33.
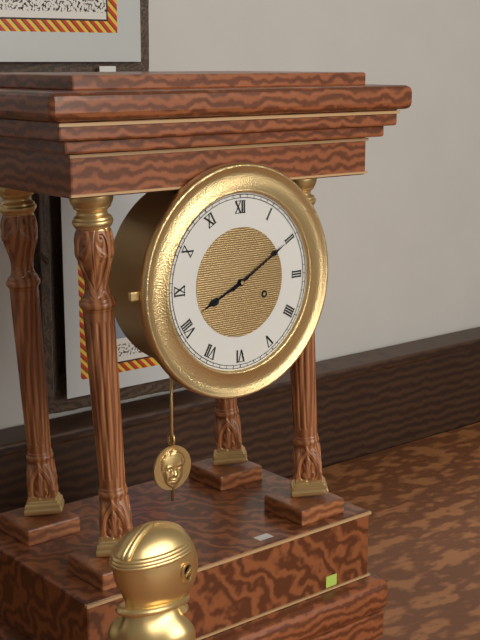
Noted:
8:10
